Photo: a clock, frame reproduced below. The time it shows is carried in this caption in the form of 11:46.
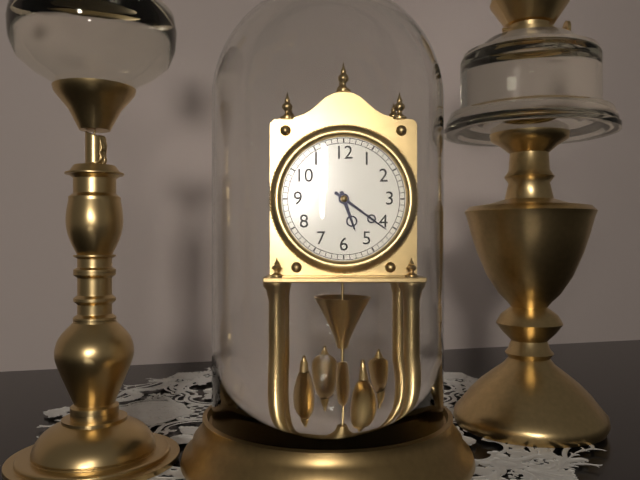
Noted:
5:21
